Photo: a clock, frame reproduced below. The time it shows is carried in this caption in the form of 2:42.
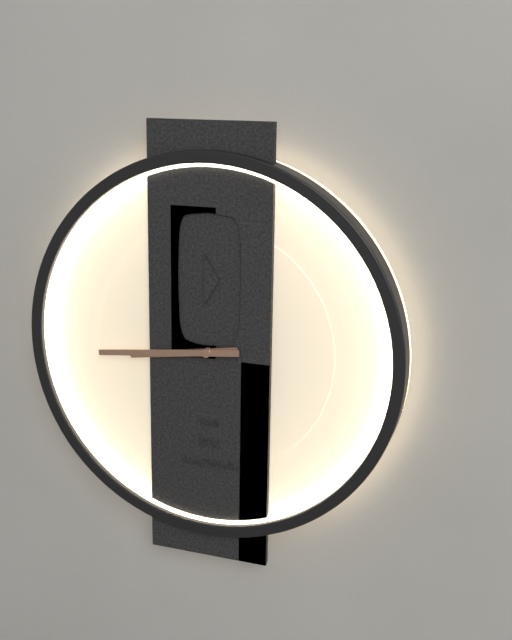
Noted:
8:44
